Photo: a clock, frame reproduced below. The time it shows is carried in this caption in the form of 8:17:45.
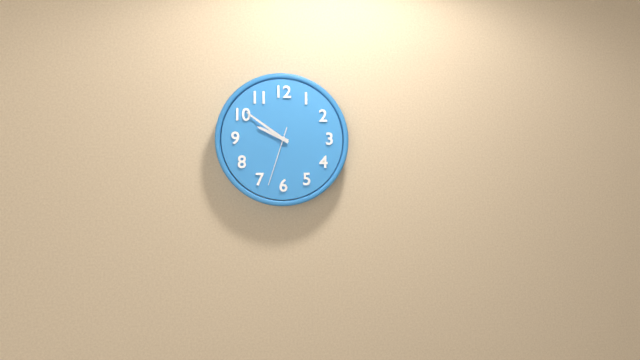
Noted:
9:51:33
